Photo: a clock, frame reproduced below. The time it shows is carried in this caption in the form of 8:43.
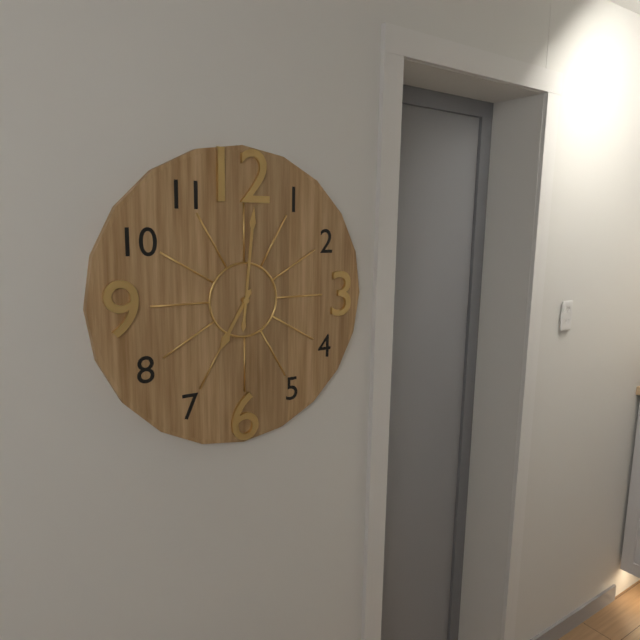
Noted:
7:01
